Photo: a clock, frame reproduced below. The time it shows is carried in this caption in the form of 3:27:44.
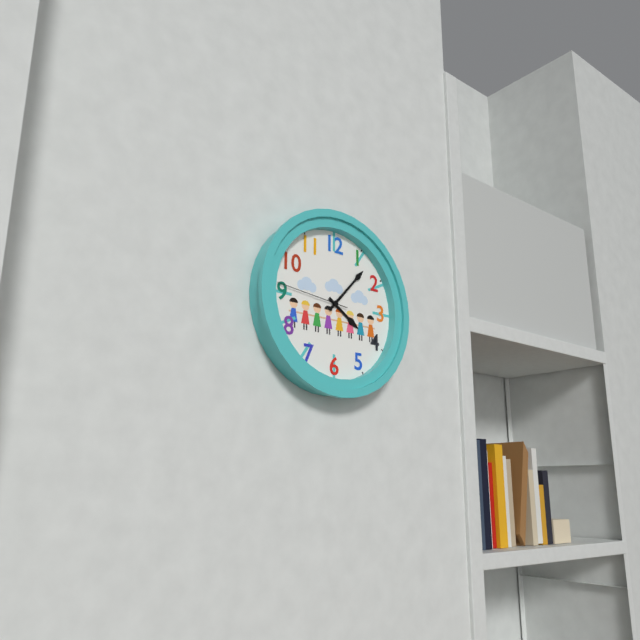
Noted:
4:07:46
